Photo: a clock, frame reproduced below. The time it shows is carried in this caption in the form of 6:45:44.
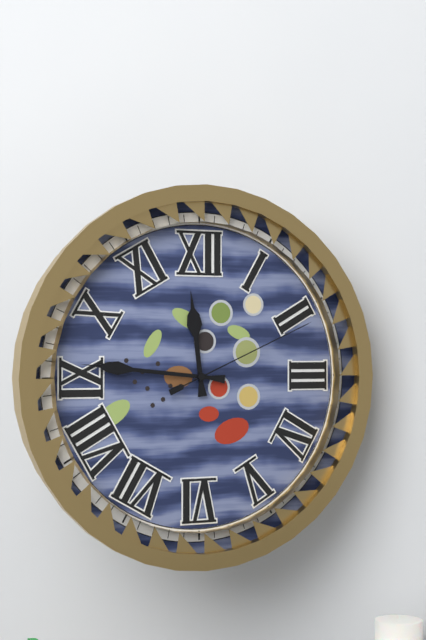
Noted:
11:46:11
